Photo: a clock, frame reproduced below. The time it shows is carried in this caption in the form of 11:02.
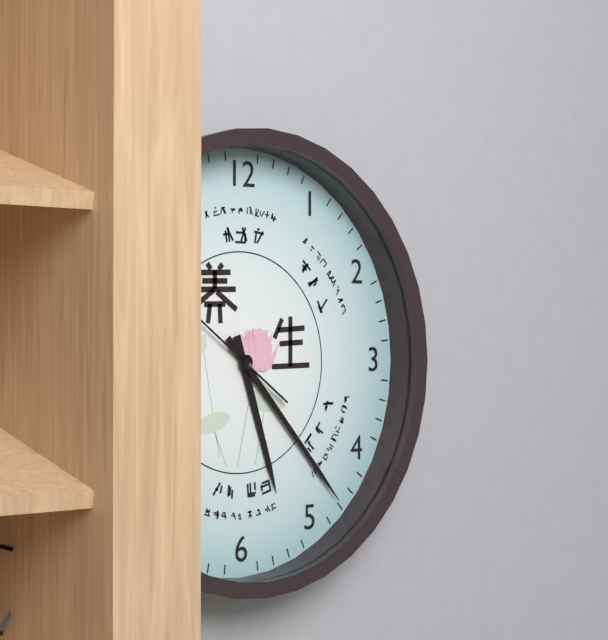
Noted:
5:23
